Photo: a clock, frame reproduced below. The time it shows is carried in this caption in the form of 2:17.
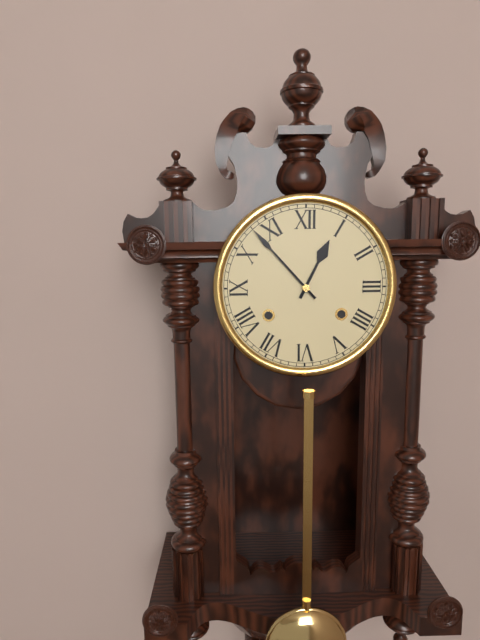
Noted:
12:53
